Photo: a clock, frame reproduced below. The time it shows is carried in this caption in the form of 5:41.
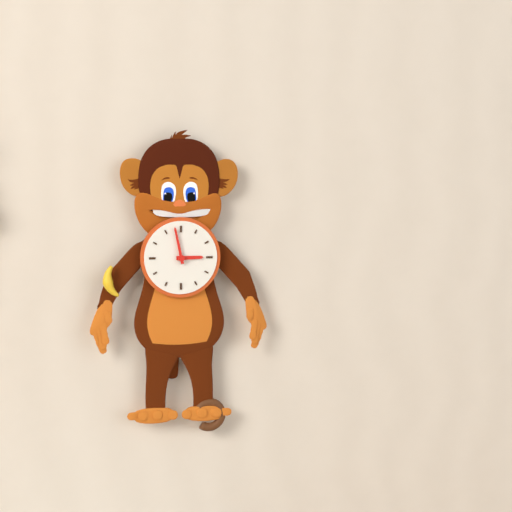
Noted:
2:58
